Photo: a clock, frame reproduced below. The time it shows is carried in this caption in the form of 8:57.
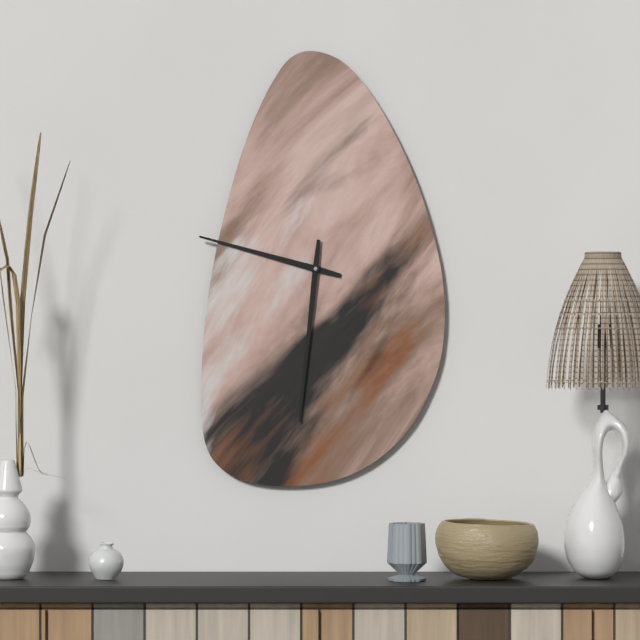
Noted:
9:31
